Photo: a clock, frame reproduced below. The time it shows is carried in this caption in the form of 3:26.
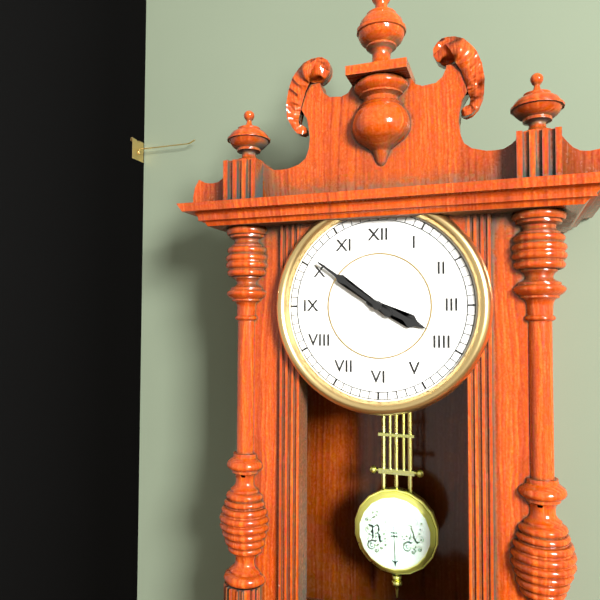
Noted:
3:51
